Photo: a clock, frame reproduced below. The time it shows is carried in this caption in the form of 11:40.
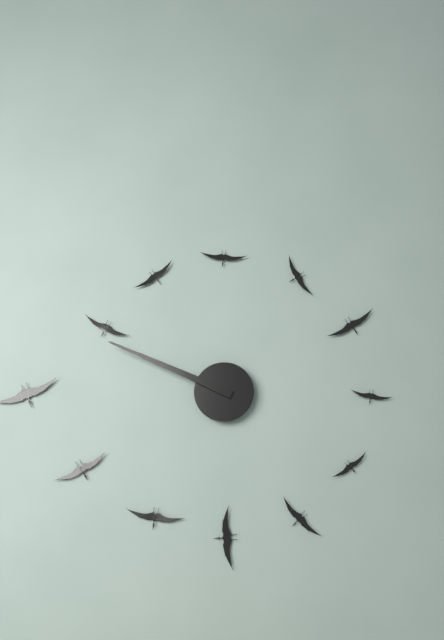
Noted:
9:49
